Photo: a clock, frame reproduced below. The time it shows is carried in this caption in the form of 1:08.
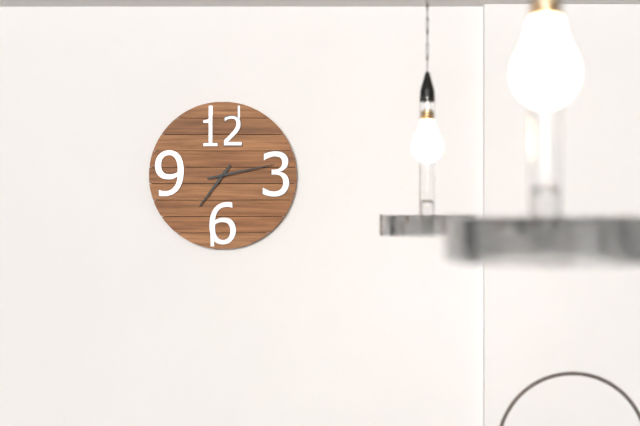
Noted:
7:13
